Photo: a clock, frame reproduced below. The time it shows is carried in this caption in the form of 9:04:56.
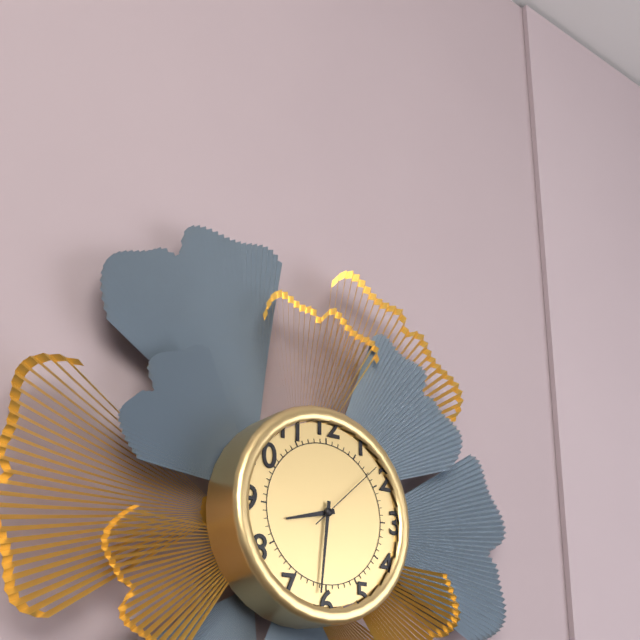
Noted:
8:31:08
